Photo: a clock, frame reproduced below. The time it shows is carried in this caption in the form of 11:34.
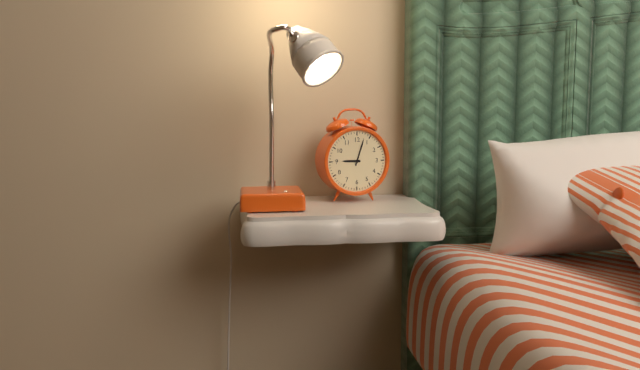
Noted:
9:03
